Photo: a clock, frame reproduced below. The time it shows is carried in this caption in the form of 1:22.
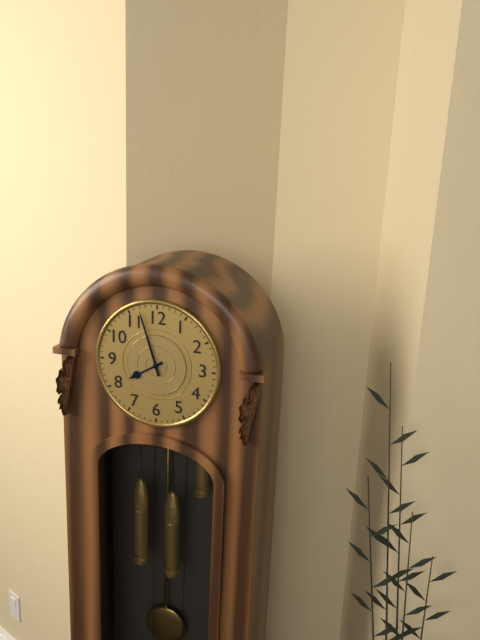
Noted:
7:57
